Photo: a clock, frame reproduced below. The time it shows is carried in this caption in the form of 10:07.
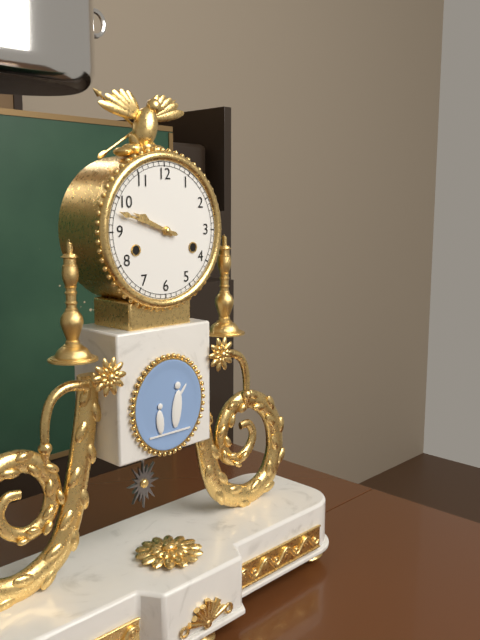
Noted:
9:48
